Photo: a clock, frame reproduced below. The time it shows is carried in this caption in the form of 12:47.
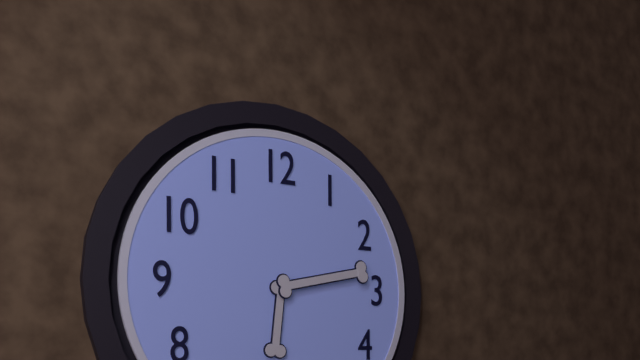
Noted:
6:13
